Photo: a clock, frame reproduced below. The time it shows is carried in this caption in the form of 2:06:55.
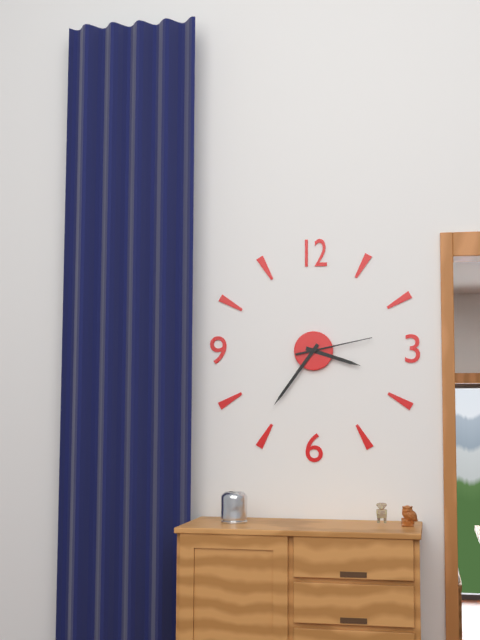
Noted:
3:36:13
